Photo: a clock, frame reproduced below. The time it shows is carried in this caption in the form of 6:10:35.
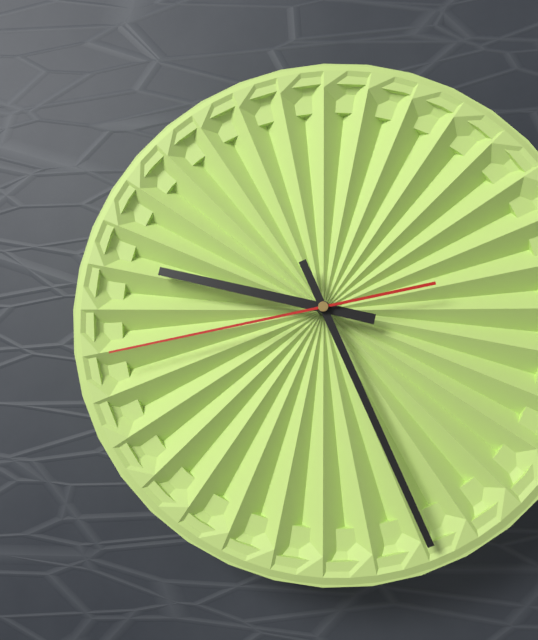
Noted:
9:26:43
